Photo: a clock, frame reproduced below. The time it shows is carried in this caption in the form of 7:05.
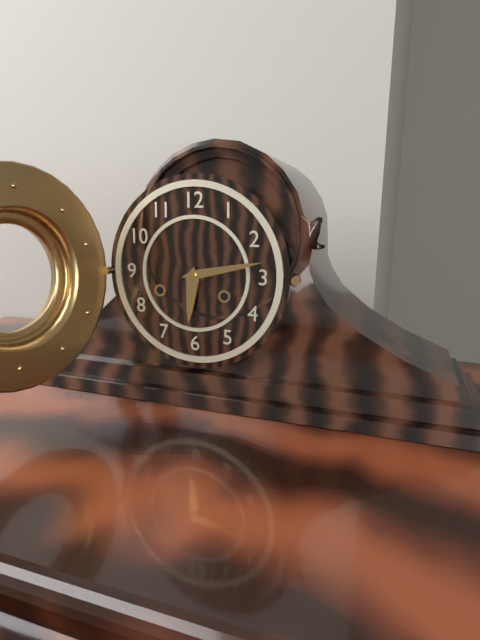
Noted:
6:13
